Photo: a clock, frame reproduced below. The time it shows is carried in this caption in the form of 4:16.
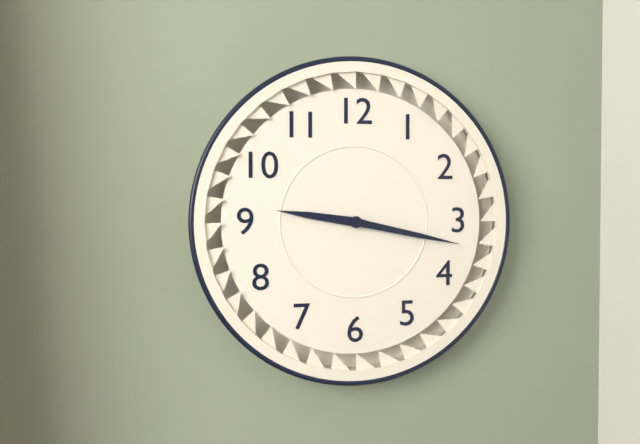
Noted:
9:17
